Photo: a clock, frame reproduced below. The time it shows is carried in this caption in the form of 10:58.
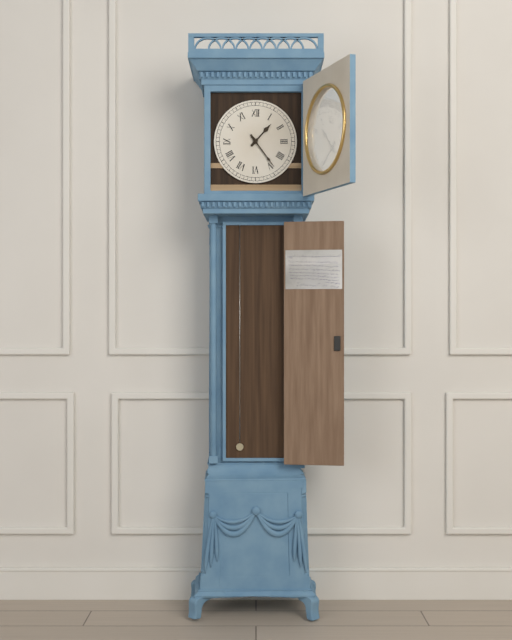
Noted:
1:24
